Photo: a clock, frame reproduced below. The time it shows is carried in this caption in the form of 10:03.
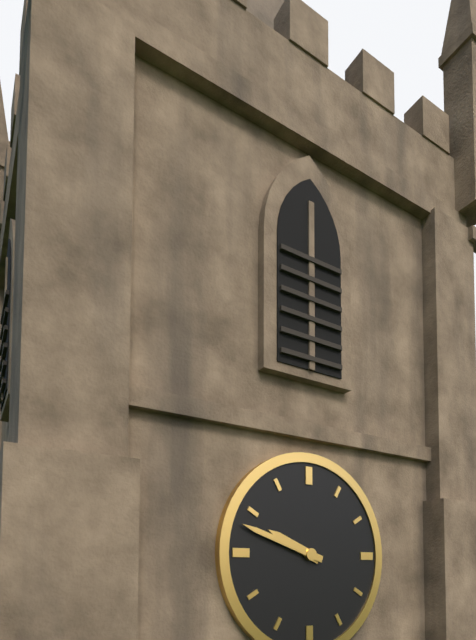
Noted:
9:48
